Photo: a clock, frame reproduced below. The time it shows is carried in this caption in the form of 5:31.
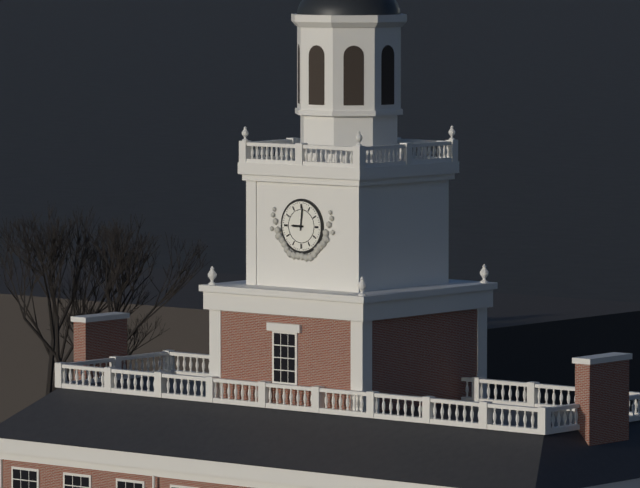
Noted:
9:01
